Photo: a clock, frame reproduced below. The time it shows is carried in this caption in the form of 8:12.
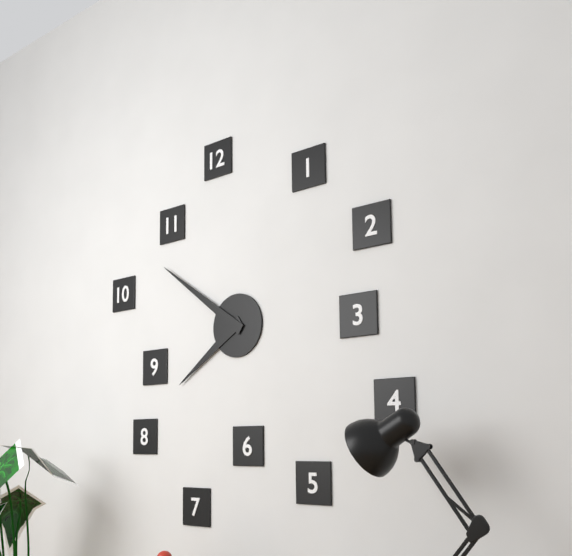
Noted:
7:51
